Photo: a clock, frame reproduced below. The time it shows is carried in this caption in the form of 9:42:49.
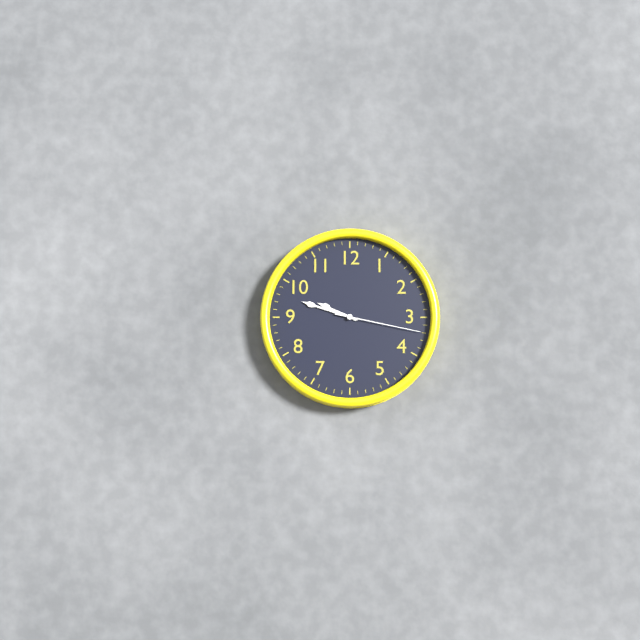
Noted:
9:48:17
